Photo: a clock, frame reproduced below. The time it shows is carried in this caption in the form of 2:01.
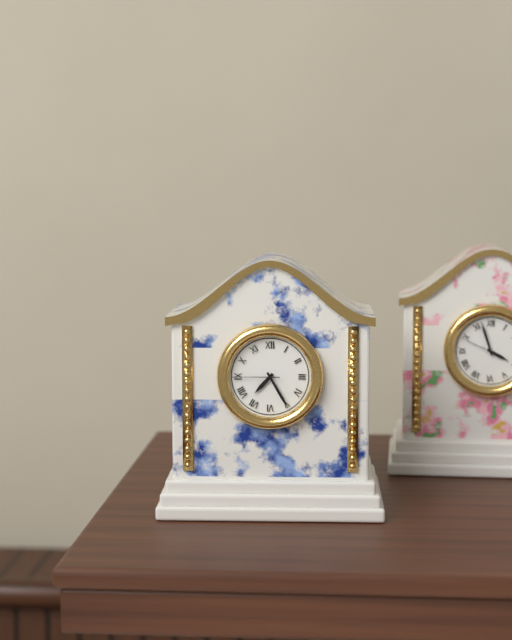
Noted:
7:25
